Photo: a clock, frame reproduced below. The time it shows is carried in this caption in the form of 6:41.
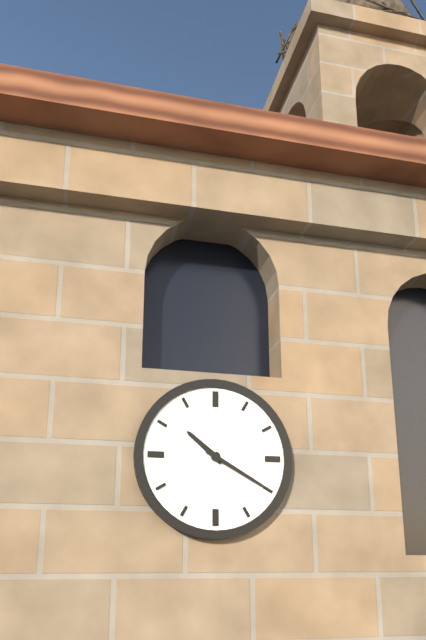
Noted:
10:20
